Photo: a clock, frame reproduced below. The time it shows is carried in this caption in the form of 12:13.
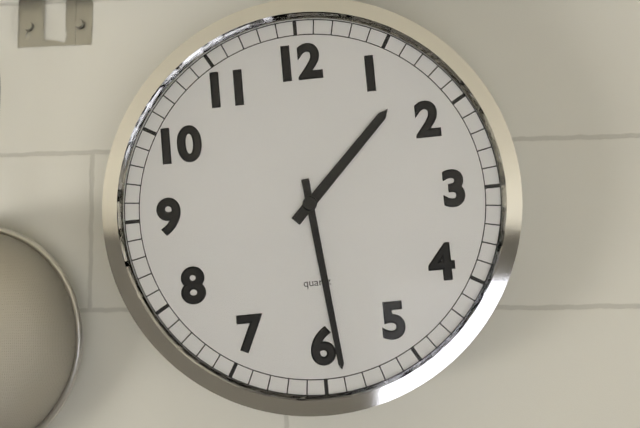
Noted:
1:29
